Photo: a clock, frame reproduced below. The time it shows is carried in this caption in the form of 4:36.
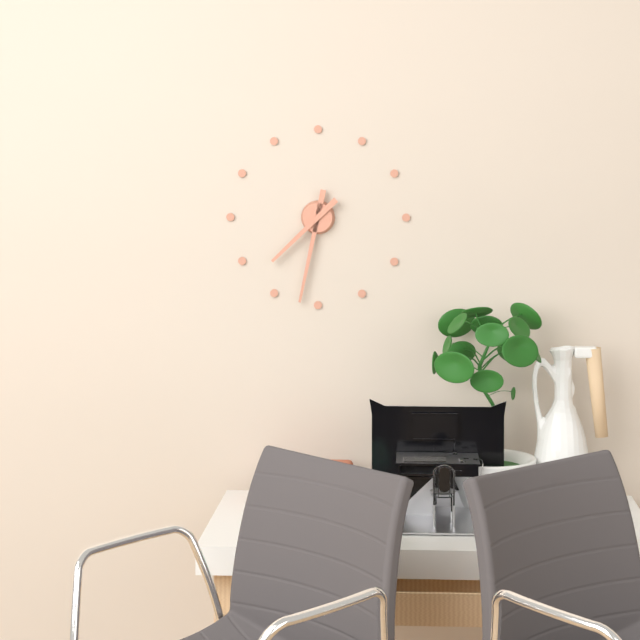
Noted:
7:32
